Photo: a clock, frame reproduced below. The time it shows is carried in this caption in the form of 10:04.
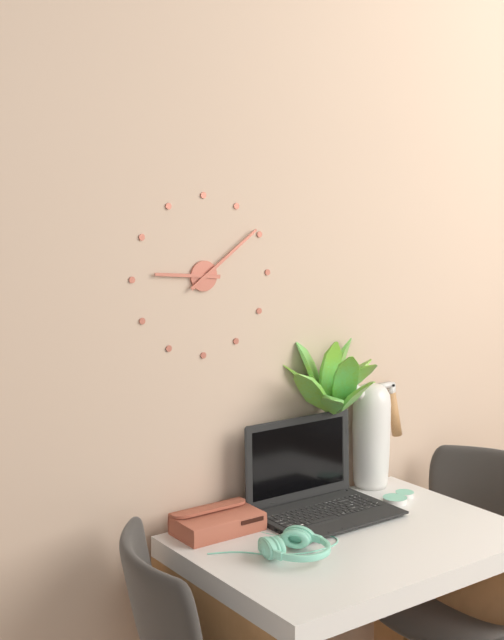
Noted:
9:09
